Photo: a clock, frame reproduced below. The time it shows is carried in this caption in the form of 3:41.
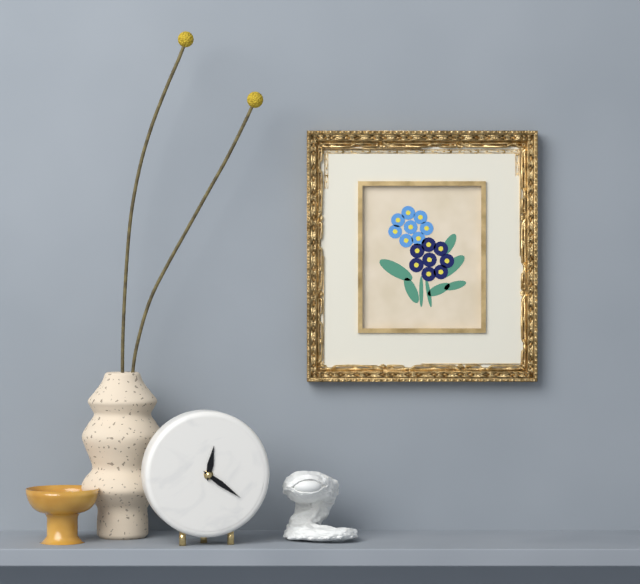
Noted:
12:21
